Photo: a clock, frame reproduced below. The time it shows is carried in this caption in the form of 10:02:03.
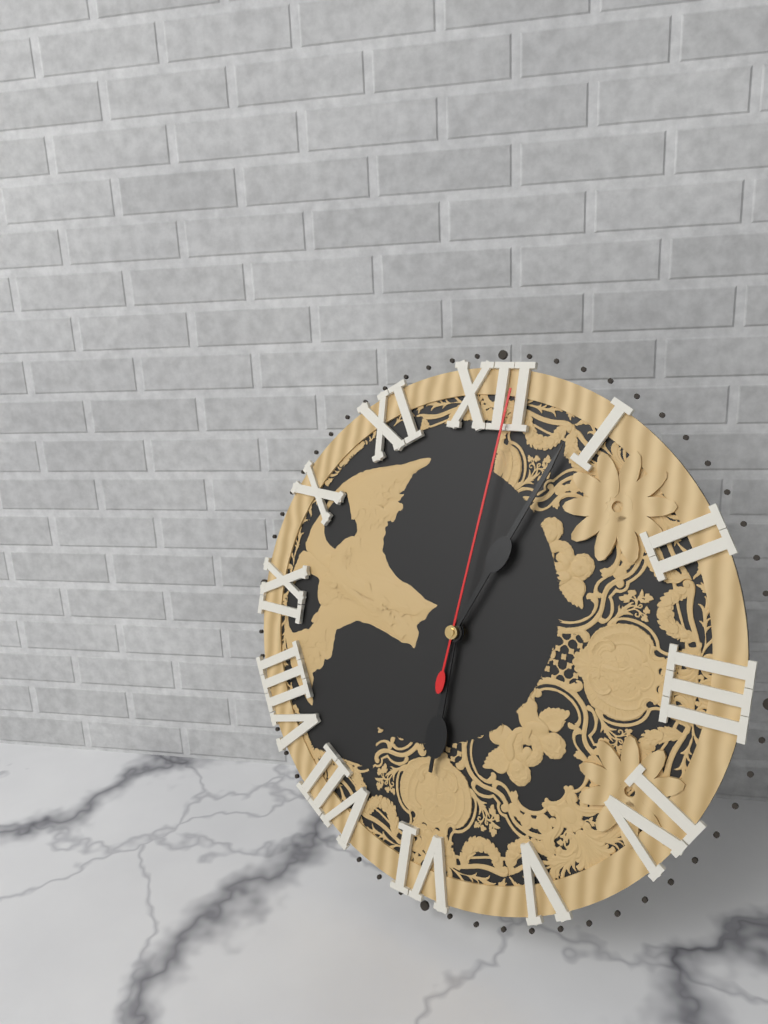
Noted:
6:04:01
